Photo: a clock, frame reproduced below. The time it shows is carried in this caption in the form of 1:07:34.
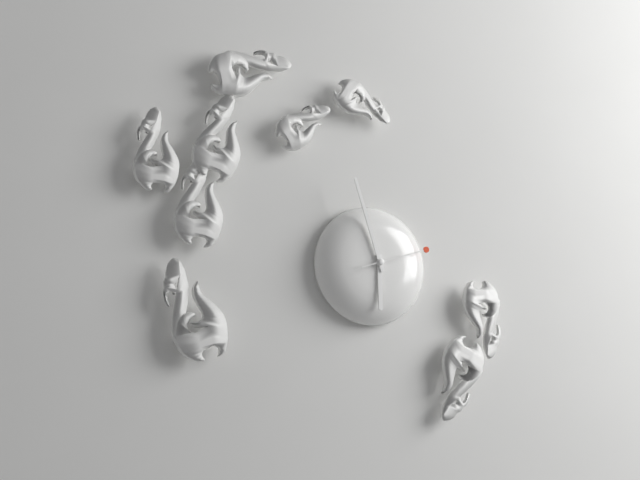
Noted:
5:57:12
